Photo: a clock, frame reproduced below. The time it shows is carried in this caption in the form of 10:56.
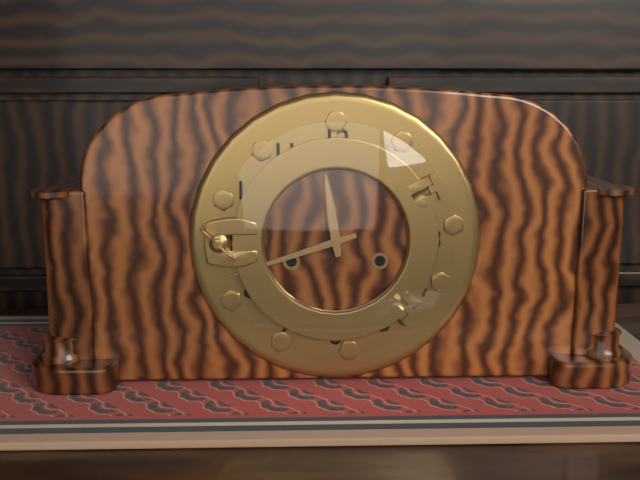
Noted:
11:42
